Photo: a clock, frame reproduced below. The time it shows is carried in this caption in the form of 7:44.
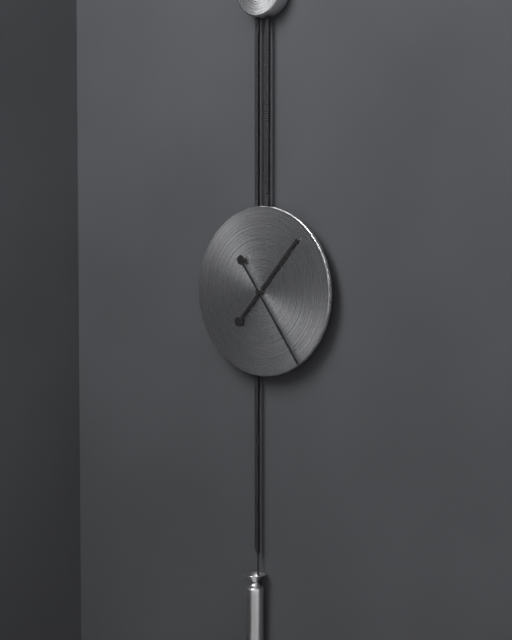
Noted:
1:24
